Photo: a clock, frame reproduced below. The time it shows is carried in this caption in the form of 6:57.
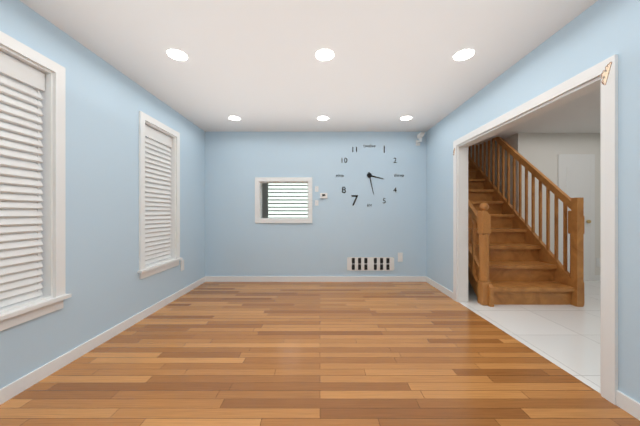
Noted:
3:28
